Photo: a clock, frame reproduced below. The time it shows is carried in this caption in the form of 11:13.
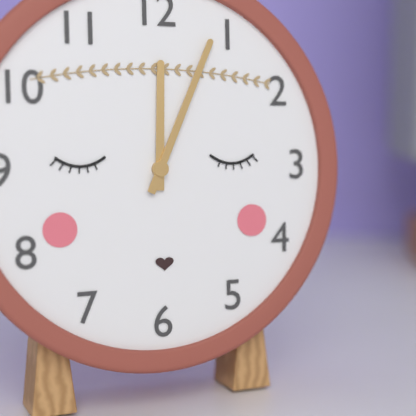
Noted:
12:04
